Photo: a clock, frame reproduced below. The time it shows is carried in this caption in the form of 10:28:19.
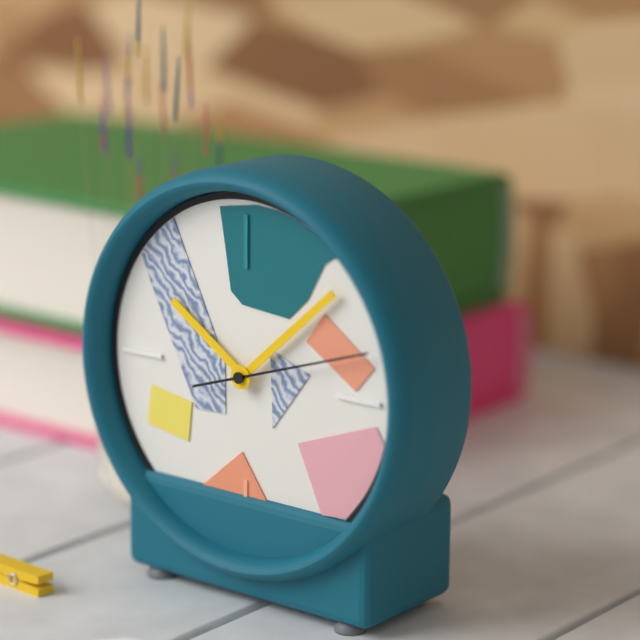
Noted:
10:08:12
